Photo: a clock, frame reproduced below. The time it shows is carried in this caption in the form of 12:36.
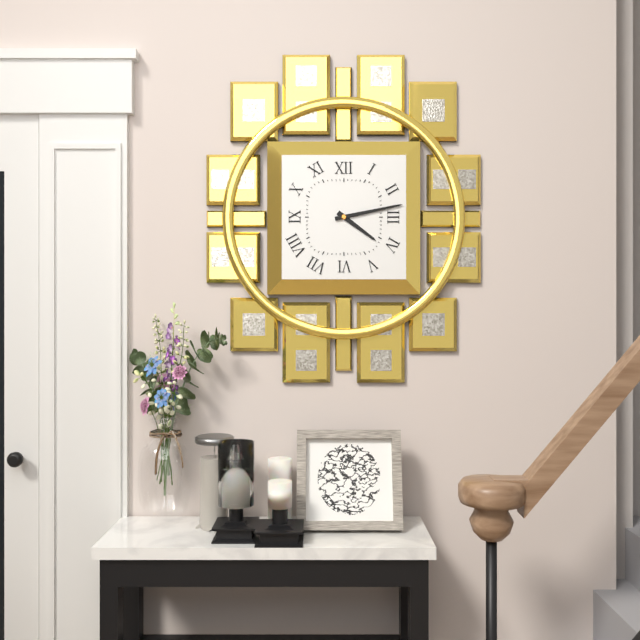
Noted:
4:13
